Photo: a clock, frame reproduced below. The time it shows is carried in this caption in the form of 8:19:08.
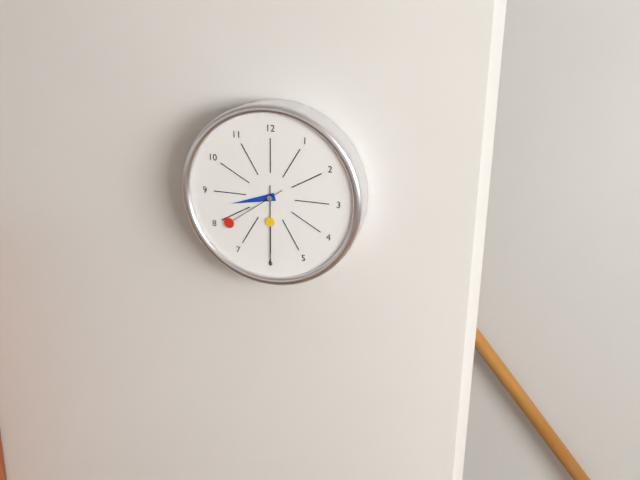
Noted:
8:30:39
